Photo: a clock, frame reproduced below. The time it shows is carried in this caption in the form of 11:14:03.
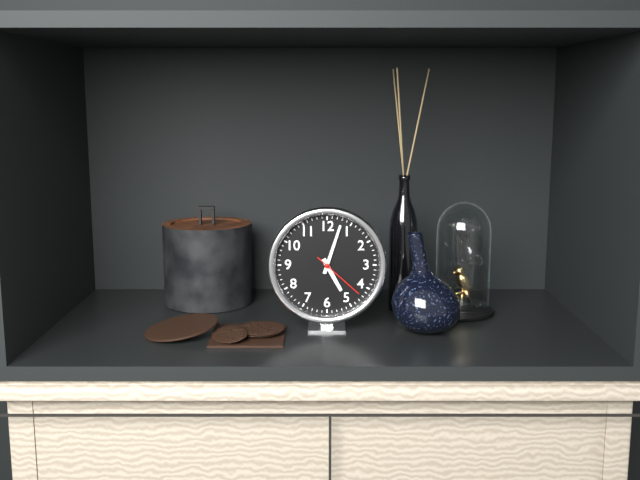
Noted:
5:03:22
